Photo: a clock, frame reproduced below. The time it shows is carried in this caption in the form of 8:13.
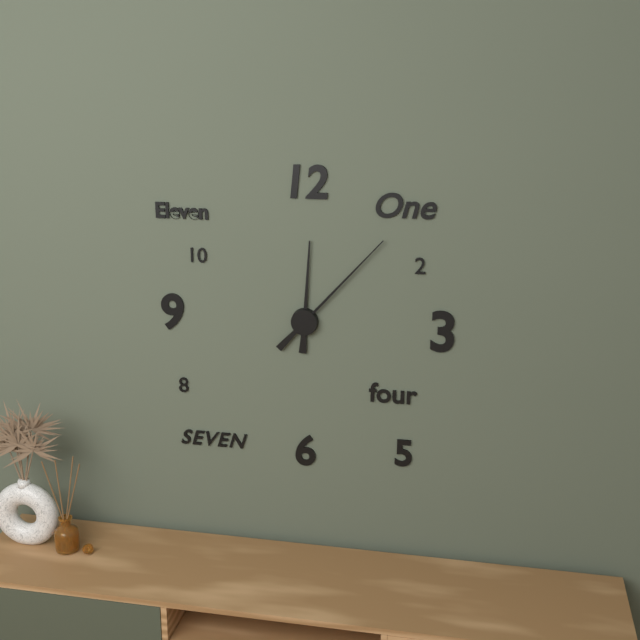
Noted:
12:07
